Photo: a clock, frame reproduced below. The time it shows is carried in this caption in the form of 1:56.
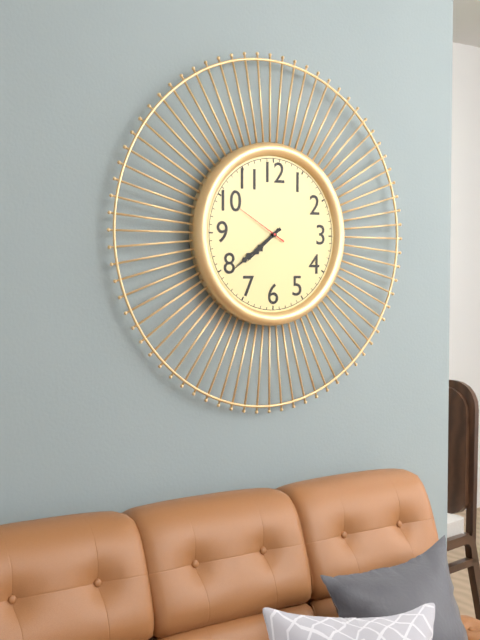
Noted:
7:39
